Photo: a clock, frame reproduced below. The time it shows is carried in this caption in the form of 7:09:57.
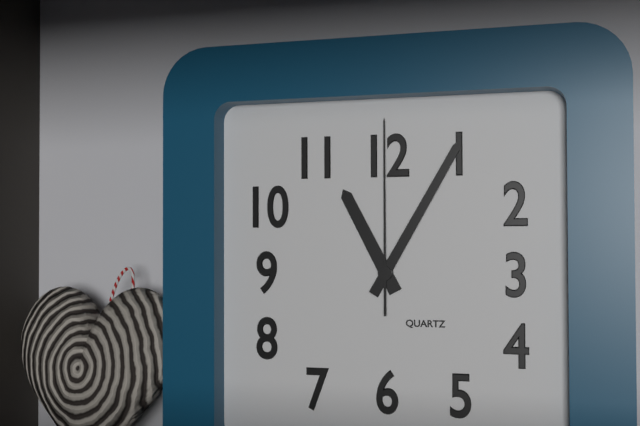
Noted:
11:05:00
